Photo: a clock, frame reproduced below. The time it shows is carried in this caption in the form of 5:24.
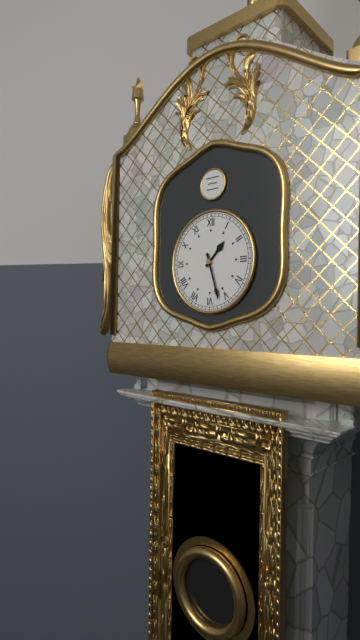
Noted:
1:27
